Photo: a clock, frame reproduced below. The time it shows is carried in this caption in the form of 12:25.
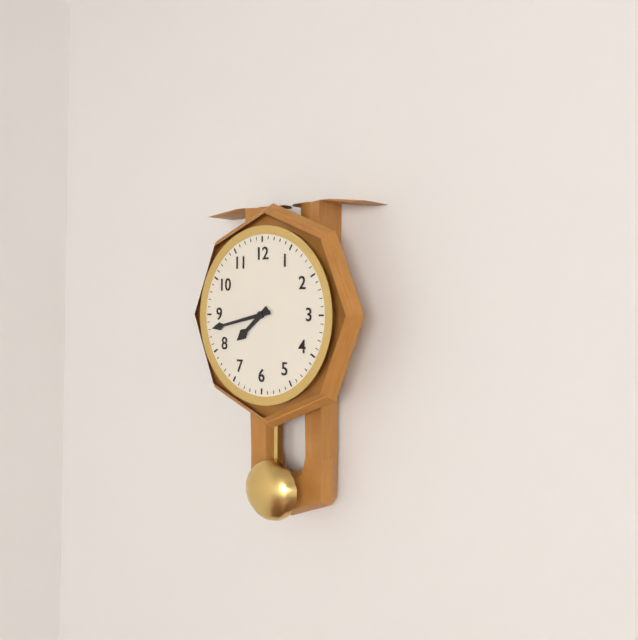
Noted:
7:43
